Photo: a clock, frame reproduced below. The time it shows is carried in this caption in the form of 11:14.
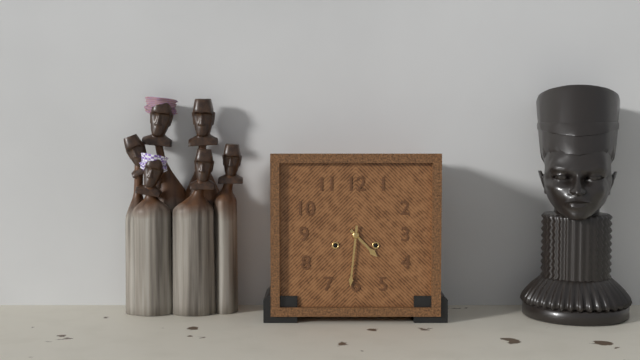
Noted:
4:31
